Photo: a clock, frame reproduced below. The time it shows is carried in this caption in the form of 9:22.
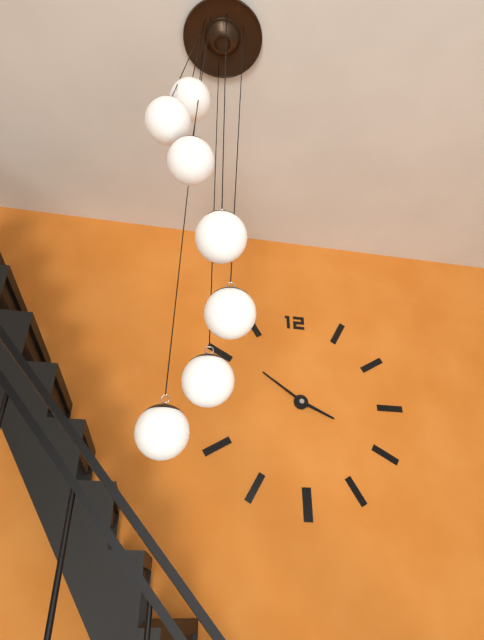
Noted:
3:51
